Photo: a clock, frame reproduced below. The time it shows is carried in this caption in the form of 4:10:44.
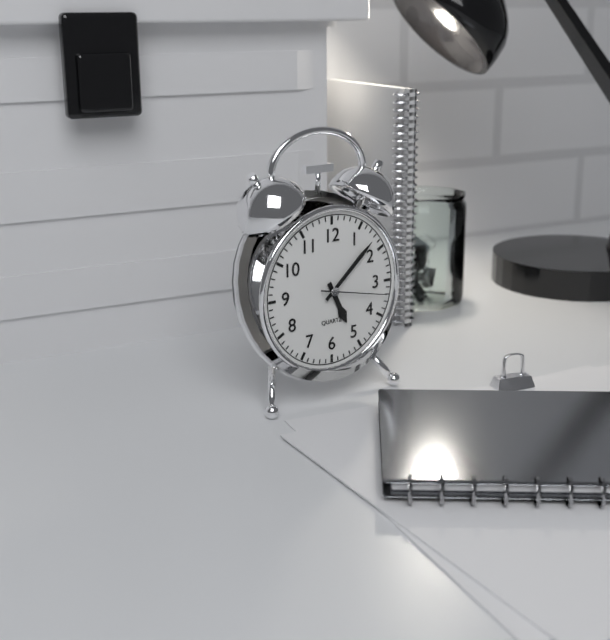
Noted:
5:08:17
